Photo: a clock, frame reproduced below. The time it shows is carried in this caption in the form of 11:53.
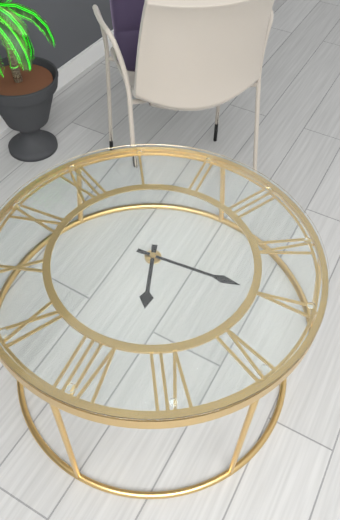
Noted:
7:25
